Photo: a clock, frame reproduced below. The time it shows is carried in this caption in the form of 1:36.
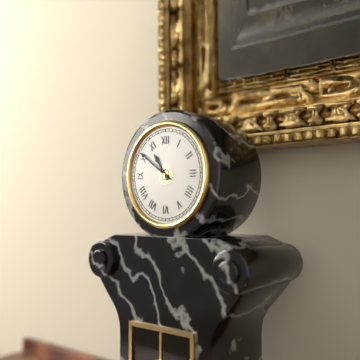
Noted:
10:51
